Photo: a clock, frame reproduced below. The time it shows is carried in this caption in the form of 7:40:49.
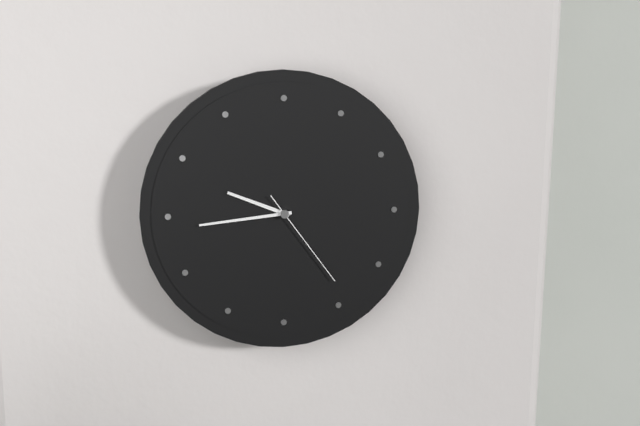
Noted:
9:44:24
